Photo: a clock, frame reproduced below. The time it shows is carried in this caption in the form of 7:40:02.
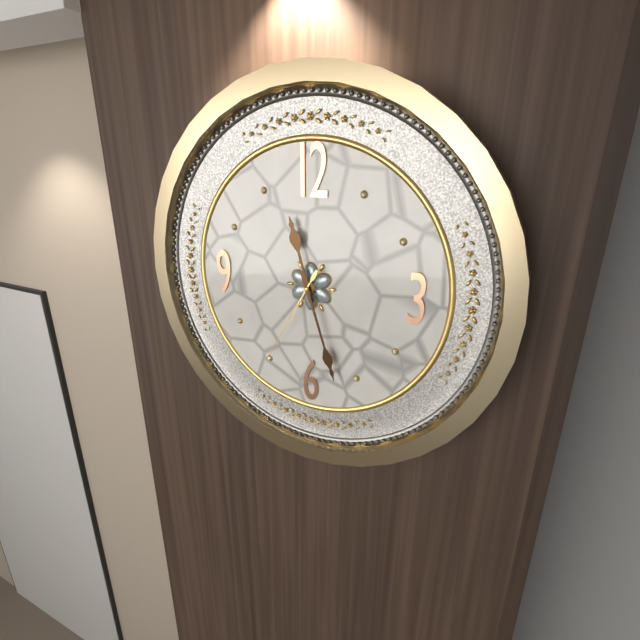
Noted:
11:27:35
